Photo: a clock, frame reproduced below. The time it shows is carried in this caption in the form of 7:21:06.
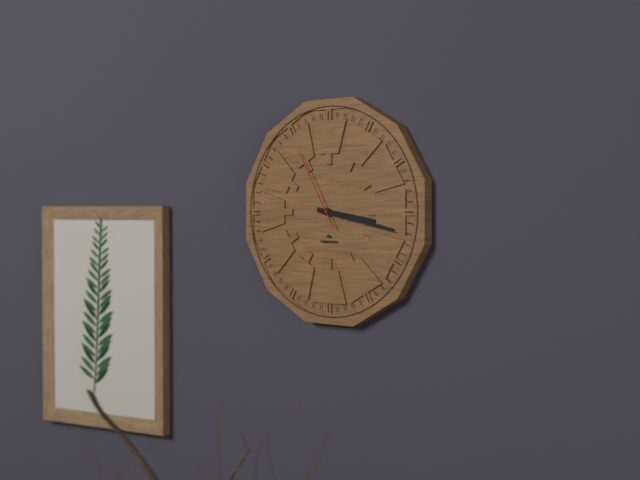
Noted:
3:17:55
